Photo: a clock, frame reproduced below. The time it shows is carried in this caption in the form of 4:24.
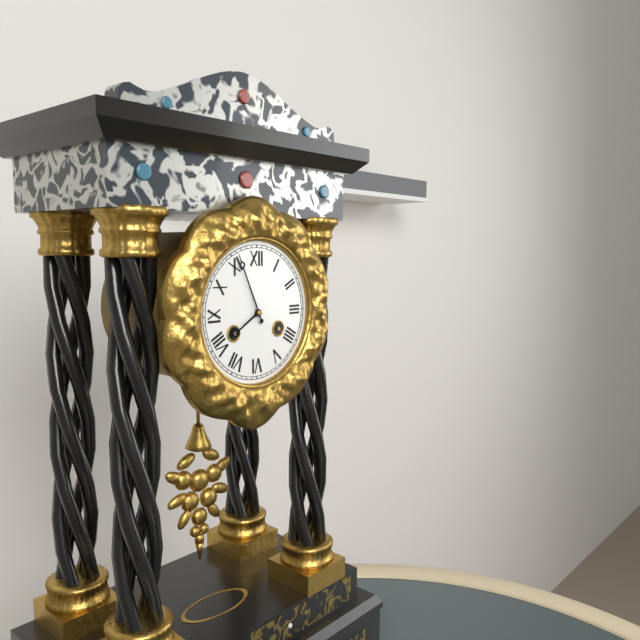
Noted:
7:56
